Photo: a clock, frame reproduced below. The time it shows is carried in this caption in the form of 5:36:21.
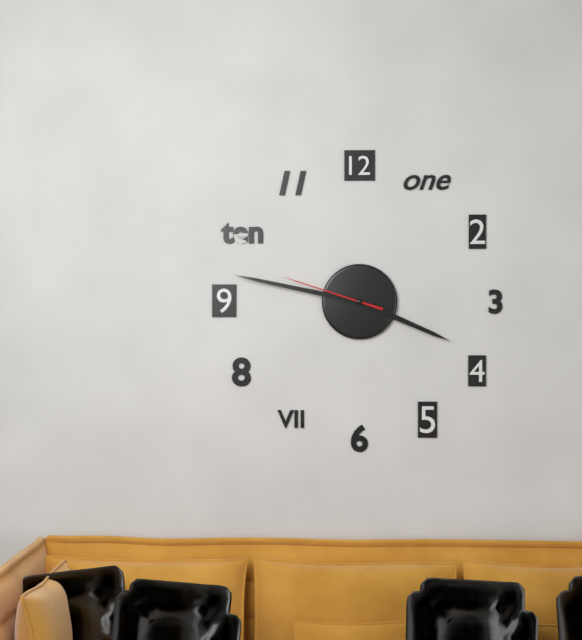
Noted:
3:47:48
